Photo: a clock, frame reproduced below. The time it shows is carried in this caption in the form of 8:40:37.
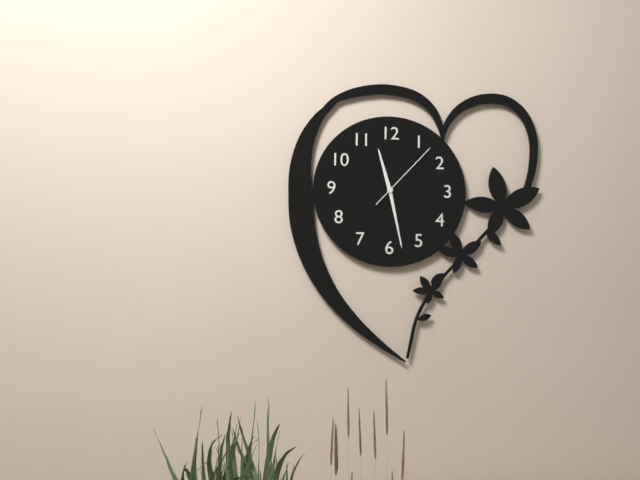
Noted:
11:28:07
